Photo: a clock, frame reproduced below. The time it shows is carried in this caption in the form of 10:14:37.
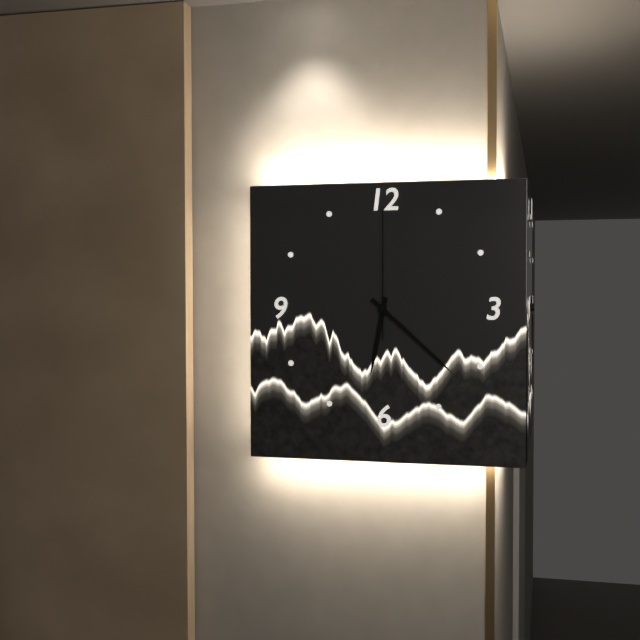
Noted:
6:22:00
